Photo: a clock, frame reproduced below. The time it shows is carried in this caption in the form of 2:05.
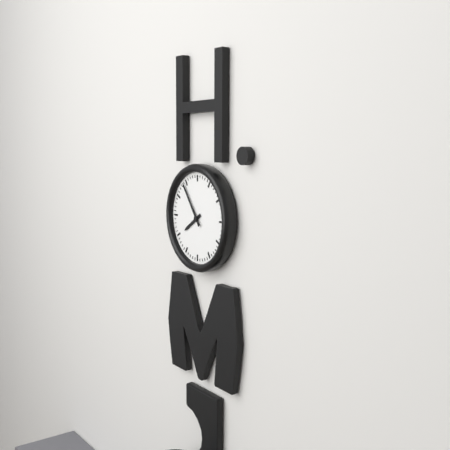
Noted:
7:54
